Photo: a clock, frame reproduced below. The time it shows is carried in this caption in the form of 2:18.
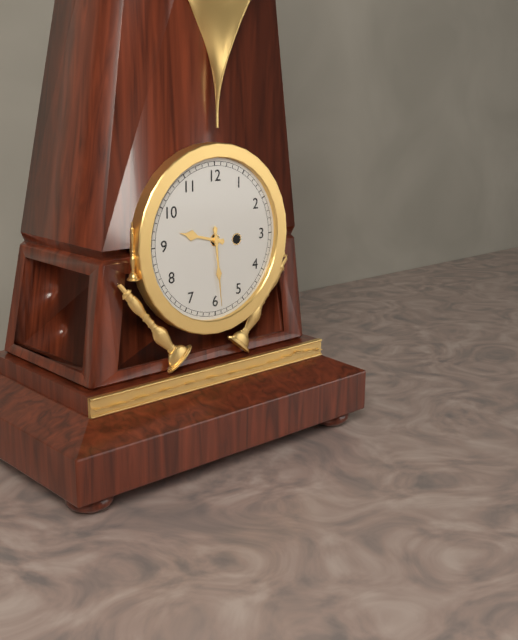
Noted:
9:29
